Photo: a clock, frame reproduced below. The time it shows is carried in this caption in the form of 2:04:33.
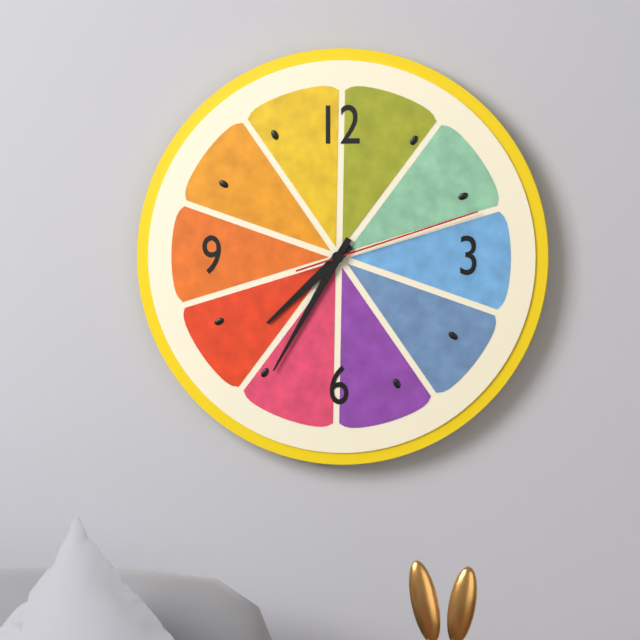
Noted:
7:35:12
